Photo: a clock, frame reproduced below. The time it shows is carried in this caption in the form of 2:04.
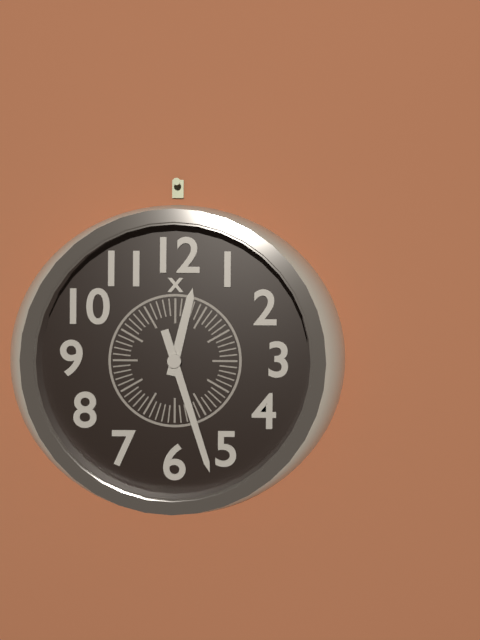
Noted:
12:27
